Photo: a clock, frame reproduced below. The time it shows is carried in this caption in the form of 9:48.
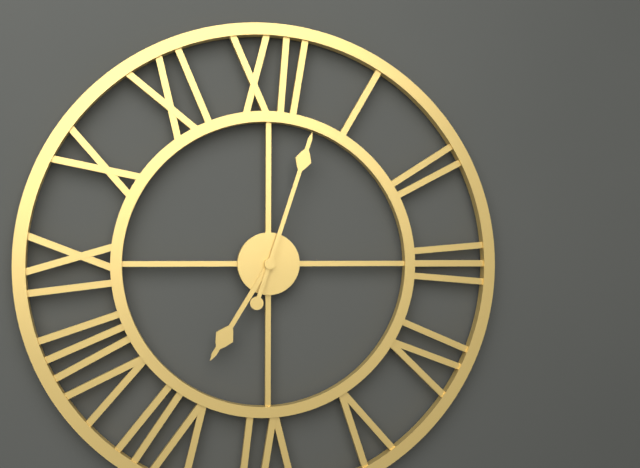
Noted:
7:03
